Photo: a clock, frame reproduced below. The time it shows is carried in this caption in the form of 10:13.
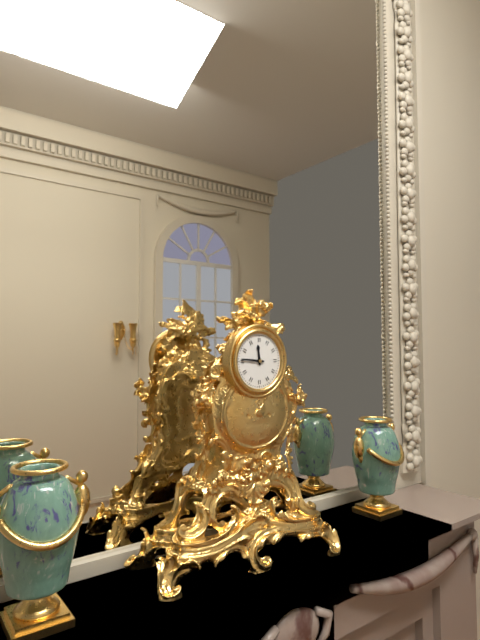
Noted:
11:46
